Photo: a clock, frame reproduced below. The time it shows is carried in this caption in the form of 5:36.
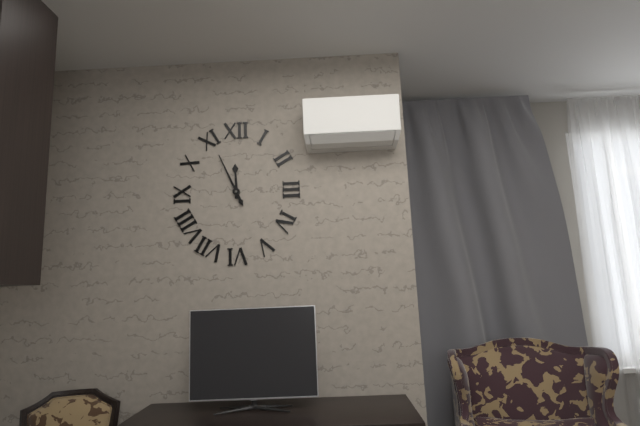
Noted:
11:56
